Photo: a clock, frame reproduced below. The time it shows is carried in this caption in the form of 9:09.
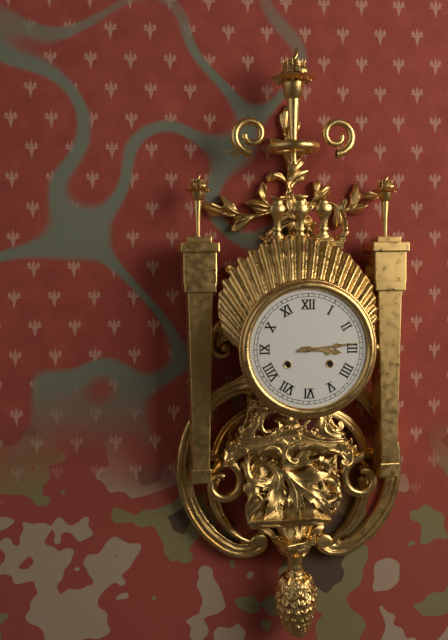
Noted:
3:14
